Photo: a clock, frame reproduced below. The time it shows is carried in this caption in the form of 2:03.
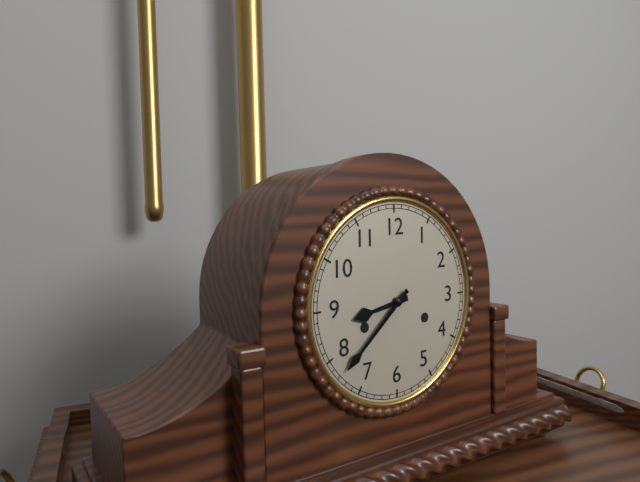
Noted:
8:38
